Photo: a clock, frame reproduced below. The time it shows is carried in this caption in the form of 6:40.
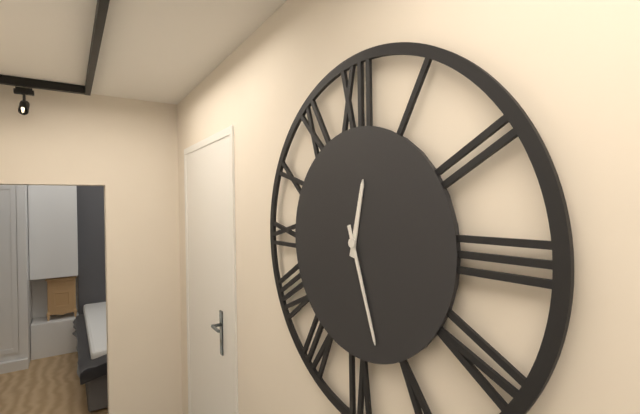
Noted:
12:27
